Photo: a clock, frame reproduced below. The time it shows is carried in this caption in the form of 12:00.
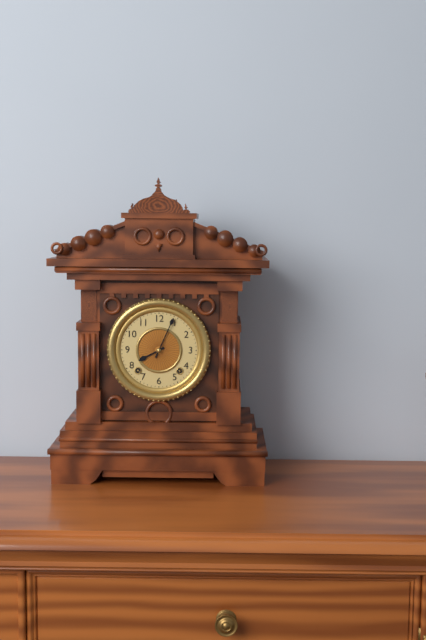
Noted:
8:04
